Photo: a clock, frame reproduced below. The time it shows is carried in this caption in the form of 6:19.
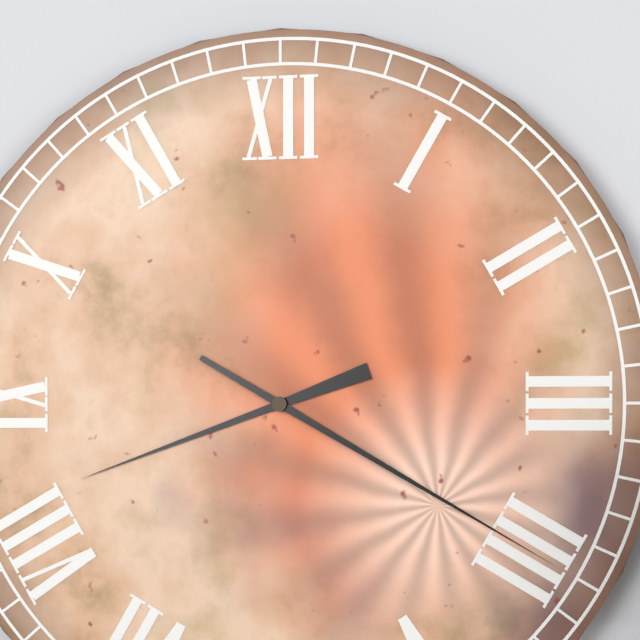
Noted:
8:20
